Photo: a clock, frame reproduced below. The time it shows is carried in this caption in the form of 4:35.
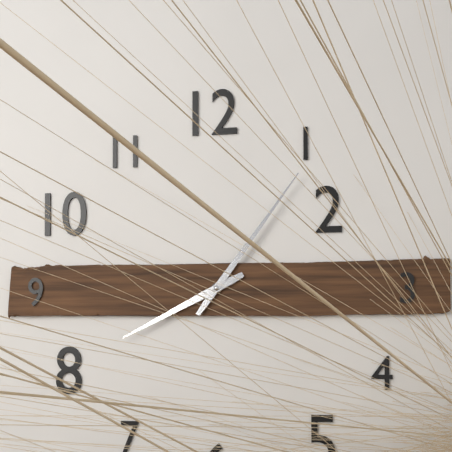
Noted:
8:06
